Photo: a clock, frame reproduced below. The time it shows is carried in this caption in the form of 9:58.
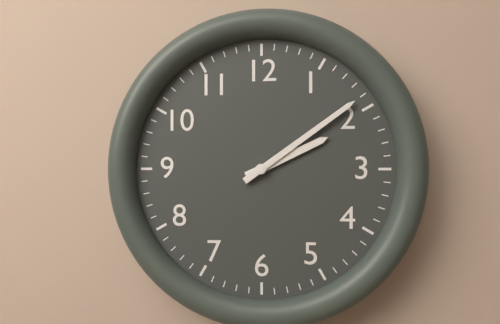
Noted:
2:09
